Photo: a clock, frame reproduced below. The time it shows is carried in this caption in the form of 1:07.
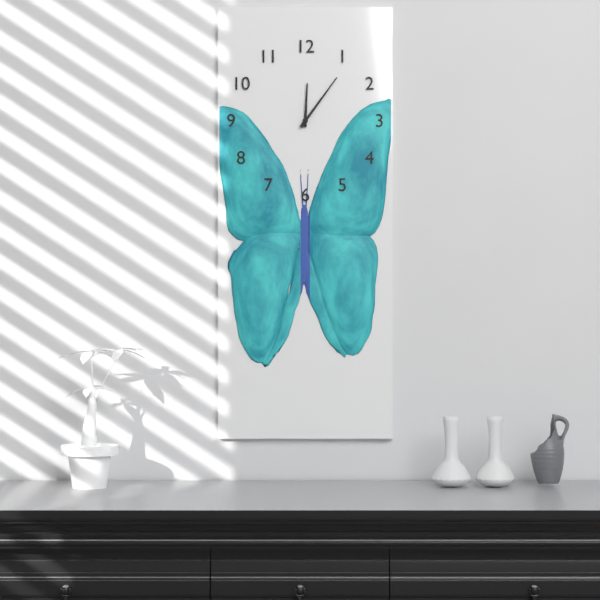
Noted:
12:06
